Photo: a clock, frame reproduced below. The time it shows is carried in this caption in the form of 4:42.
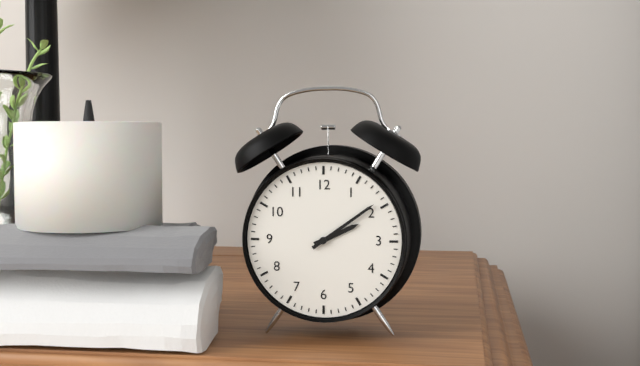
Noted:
2:09
